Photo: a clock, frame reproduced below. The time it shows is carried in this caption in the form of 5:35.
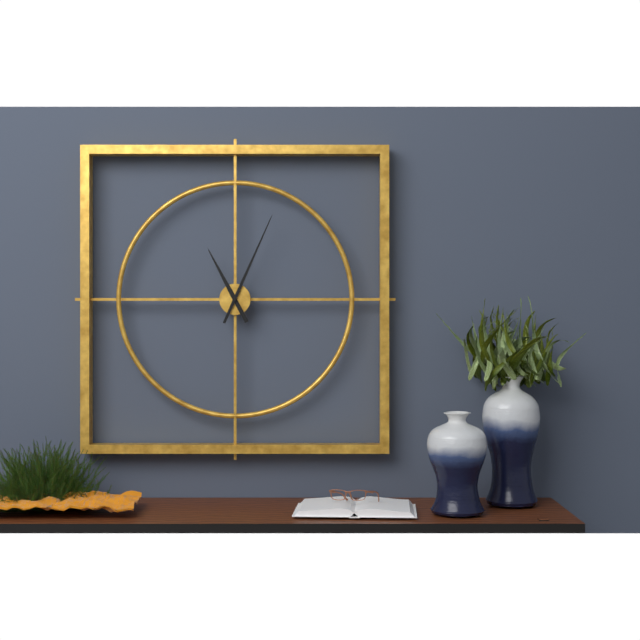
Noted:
11:04
